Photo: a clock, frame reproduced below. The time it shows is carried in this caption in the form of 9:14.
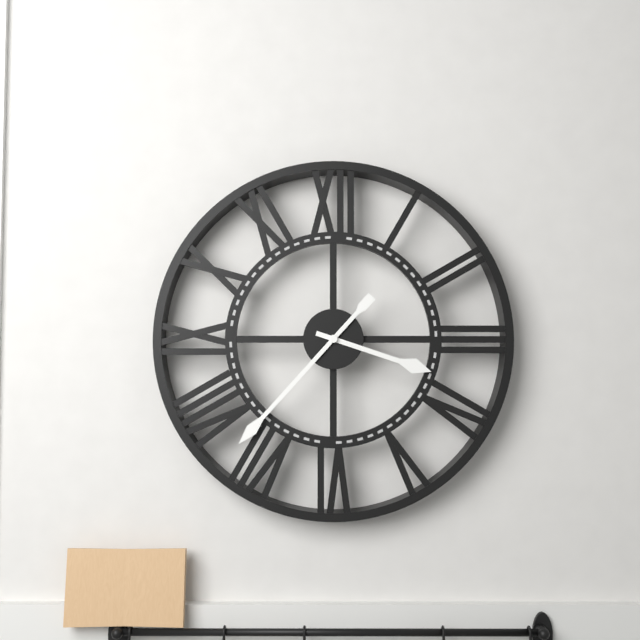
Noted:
3:37
